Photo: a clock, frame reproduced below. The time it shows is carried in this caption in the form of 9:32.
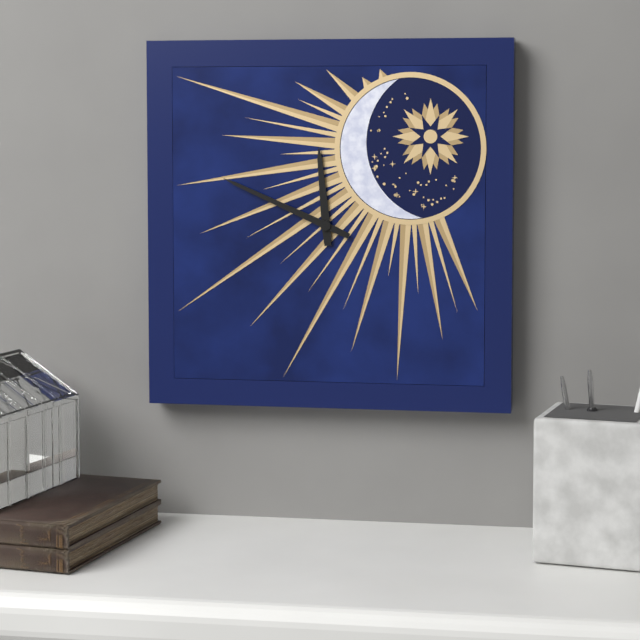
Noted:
11:49
